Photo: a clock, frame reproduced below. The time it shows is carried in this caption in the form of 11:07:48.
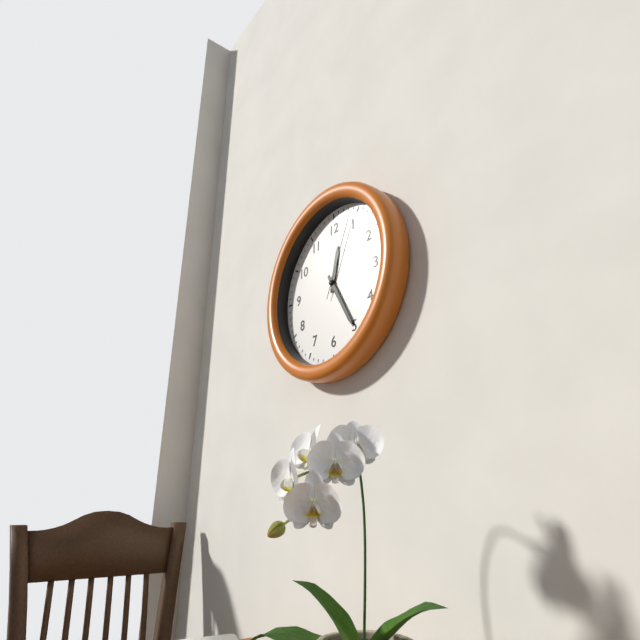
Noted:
12:25:04
